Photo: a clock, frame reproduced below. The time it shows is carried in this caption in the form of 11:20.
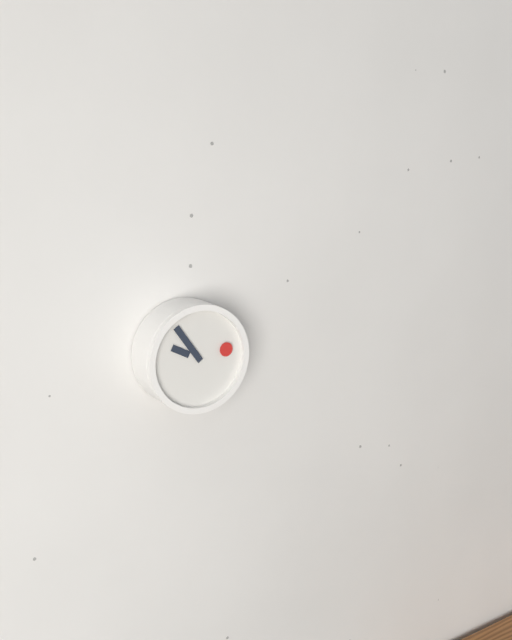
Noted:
9:54
